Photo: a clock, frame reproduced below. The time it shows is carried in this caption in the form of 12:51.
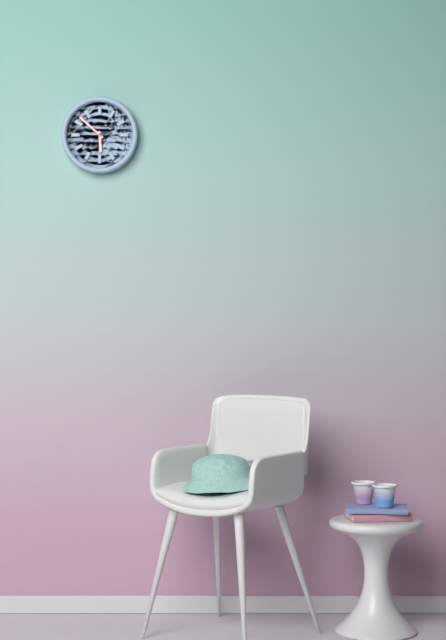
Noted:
5:52
